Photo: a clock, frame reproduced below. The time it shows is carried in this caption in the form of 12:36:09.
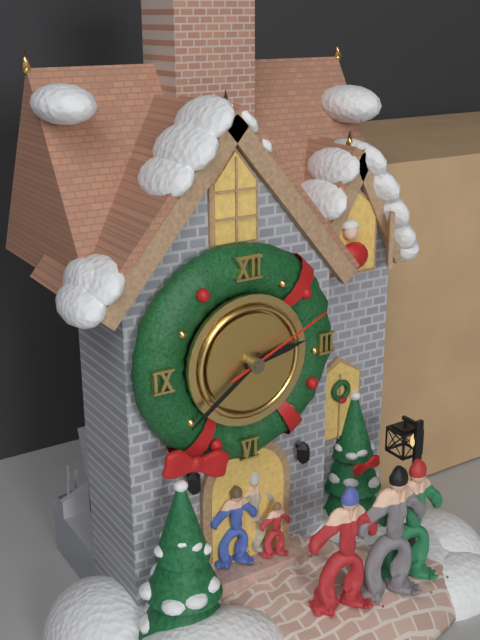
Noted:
2:39:11
